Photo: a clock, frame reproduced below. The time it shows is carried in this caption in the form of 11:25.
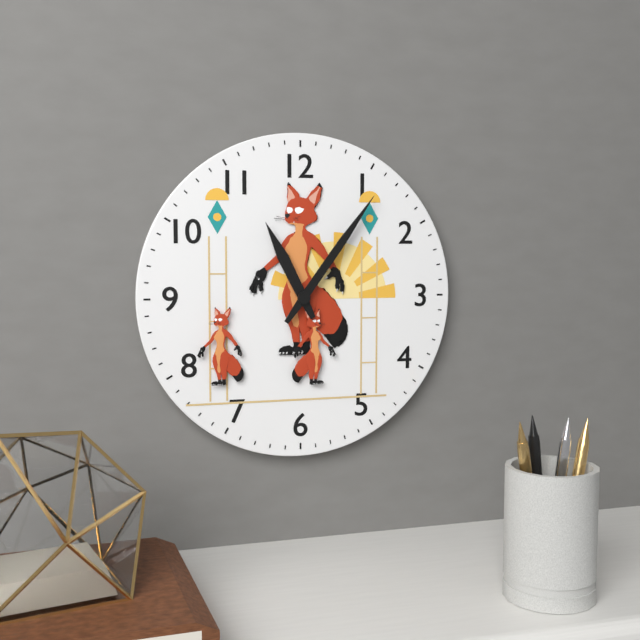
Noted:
11:06
